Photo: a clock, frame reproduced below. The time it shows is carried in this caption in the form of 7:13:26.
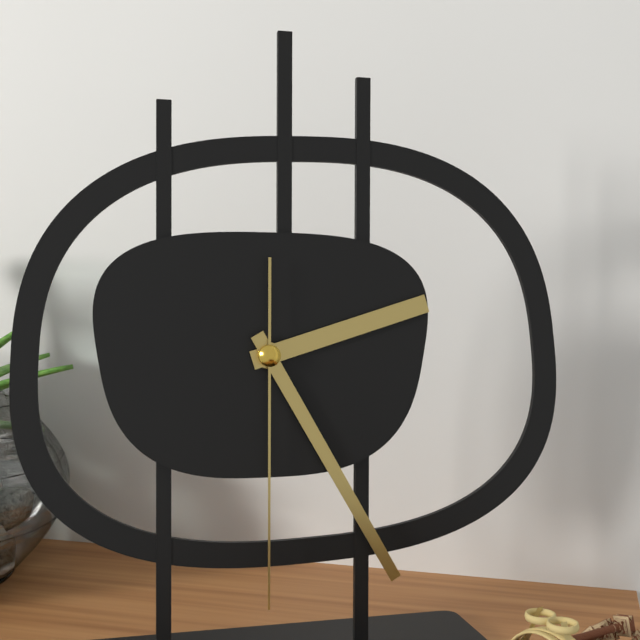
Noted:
2:25:30
